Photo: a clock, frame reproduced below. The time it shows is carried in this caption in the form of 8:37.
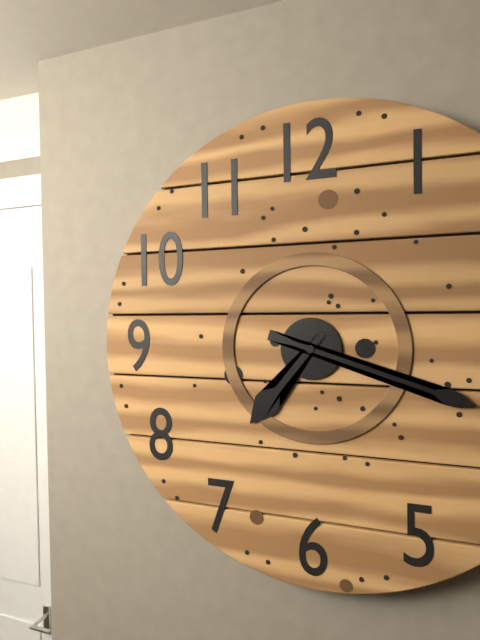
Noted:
7:18
